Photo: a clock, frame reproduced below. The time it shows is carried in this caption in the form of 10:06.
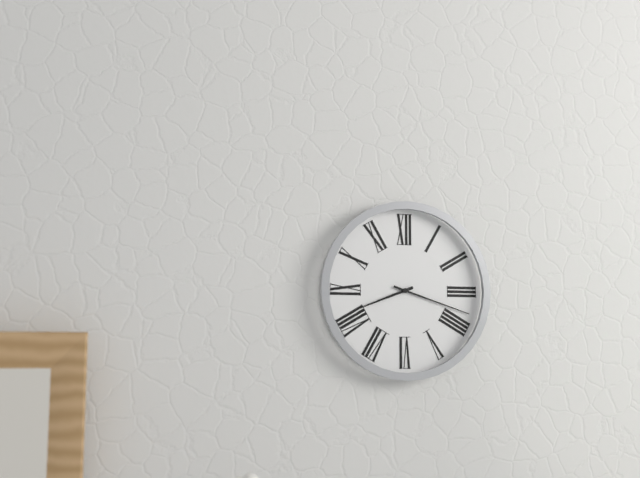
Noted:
8:18
